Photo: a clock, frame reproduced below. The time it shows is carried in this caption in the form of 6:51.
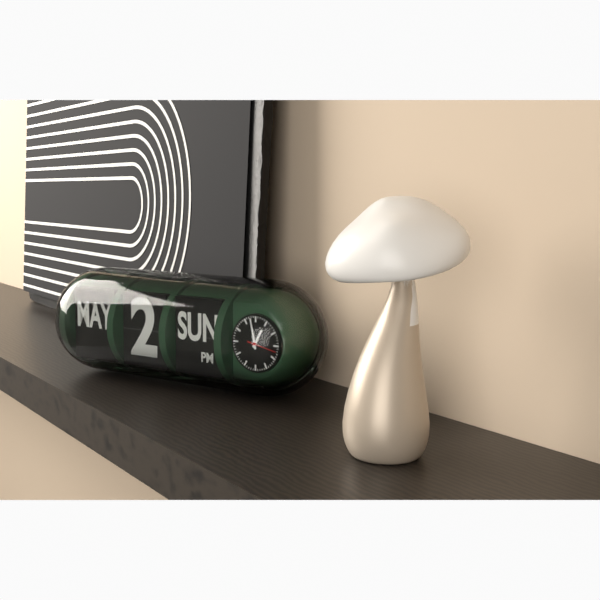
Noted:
12:58
